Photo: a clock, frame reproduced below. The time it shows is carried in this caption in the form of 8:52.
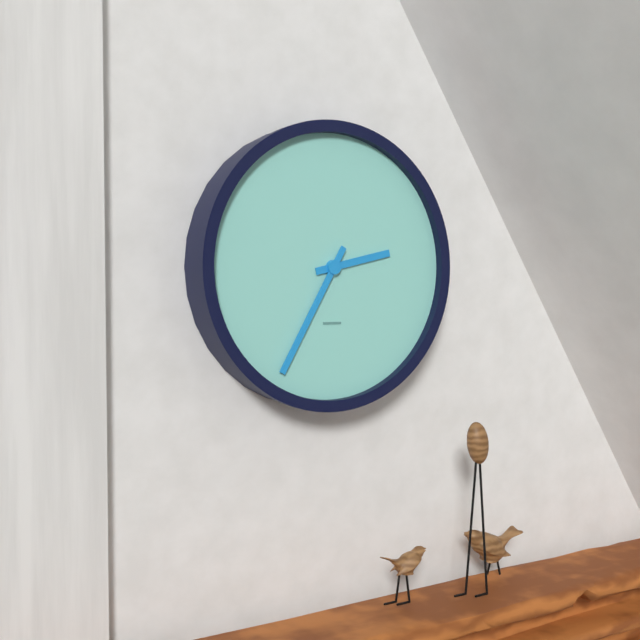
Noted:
2:35
